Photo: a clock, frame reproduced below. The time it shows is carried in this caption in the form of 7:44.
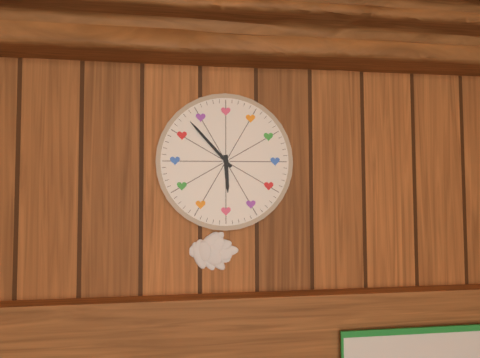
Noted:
5:53
